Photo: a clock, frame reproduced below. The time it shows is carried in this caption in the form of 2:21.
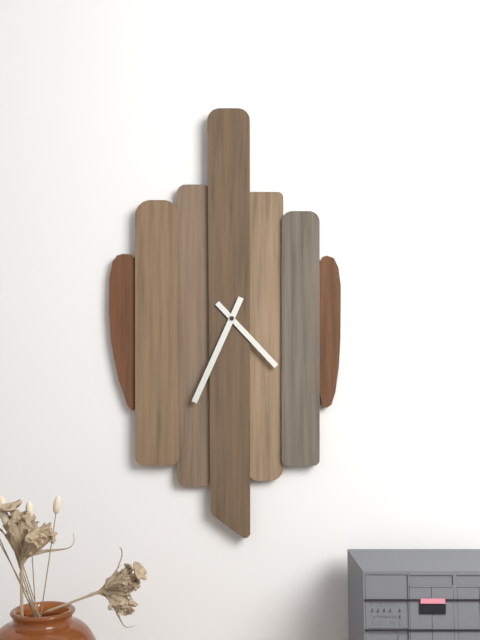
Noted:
4:34
